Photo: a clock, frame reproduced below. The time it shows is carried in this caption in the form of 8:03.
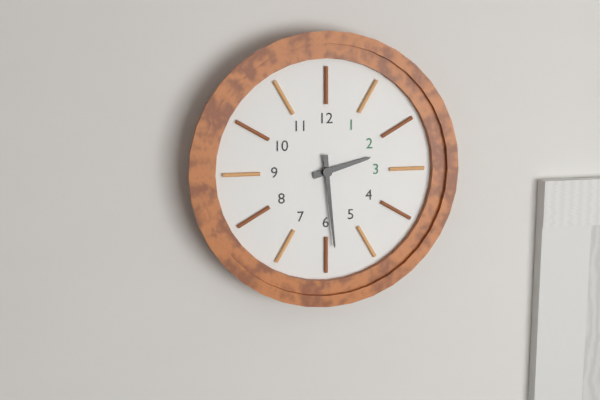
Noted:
2:29
